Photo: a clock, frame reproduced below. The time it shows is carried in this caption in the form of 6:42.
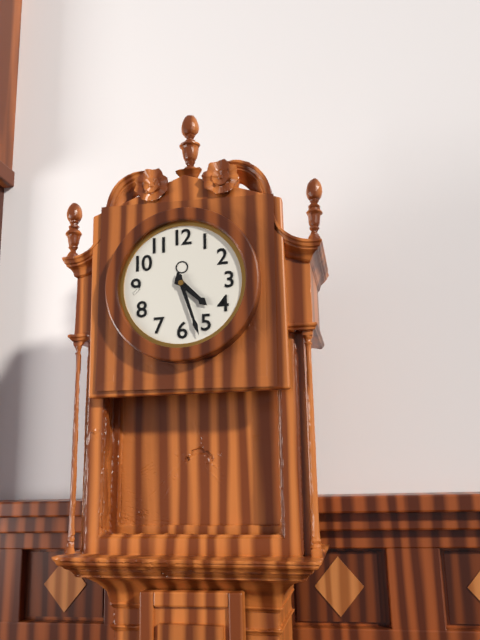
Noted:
4:27
